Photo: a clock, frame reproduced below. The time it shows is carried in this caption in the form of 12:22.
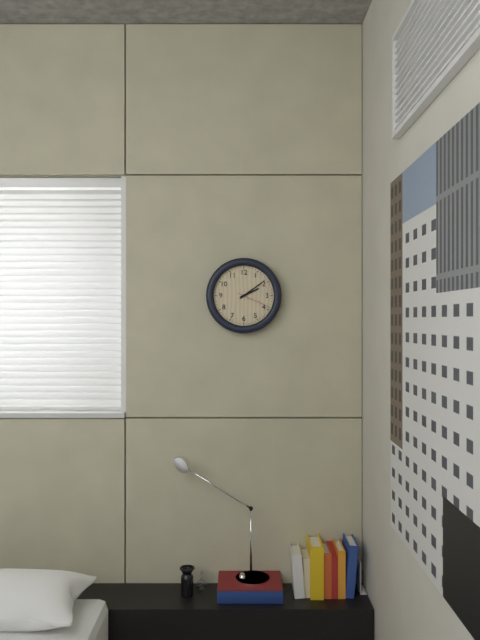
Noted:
2:09
